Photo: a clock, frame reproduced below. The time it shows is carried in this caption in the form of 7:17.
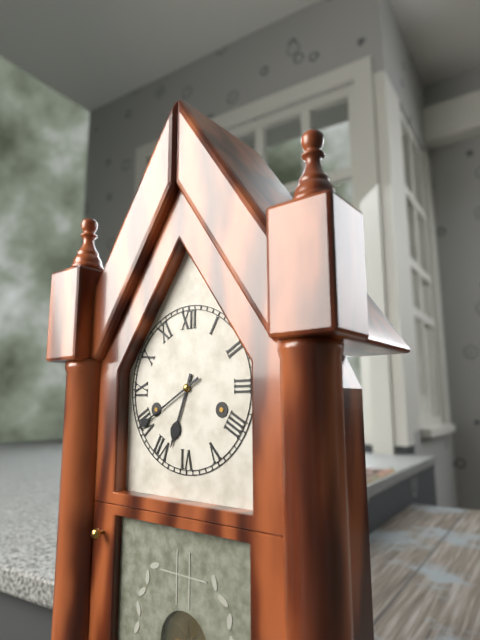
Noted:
6:40
